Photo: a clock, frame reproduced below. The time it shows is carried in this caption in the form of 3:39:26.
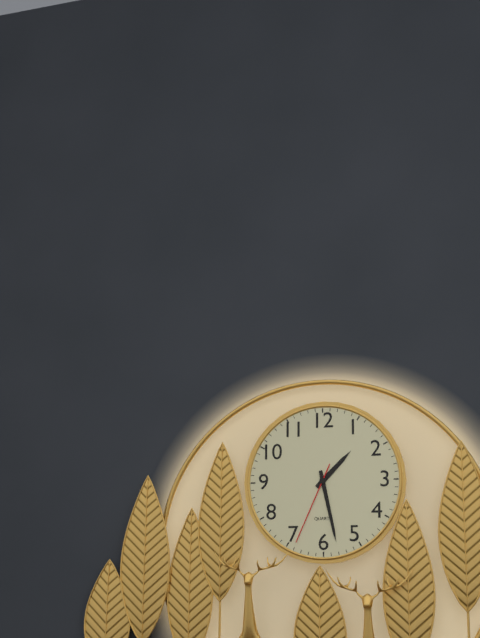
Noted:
1:28:34
